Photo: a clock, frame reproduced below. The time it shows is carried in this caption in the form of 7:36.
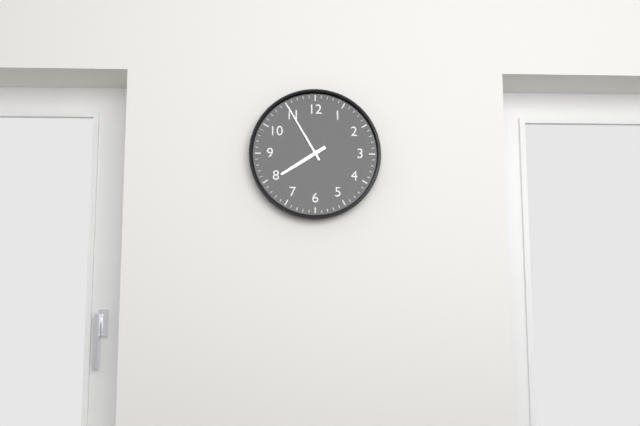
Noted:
7:55
